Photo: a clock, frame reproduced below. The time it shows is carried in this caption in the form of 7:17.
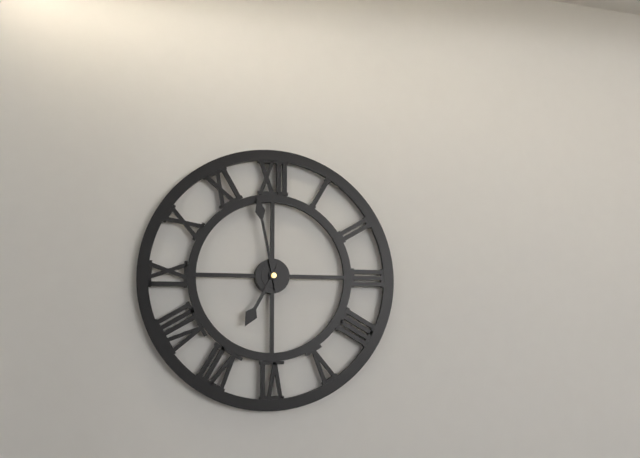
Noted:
6:58
